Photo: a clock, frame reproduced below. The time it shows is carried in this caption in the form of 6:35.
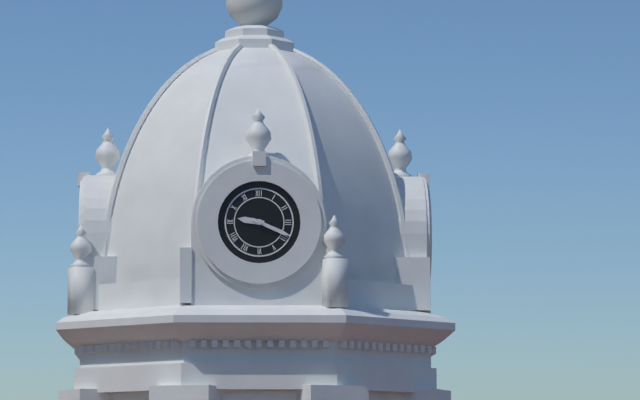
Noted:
9:19
